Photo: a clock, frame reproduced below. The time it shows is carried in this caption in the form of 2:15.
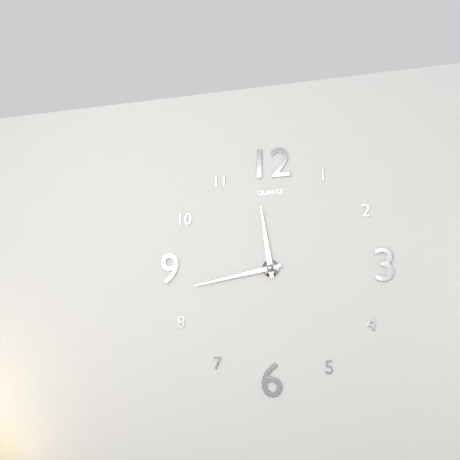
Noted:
11:43
